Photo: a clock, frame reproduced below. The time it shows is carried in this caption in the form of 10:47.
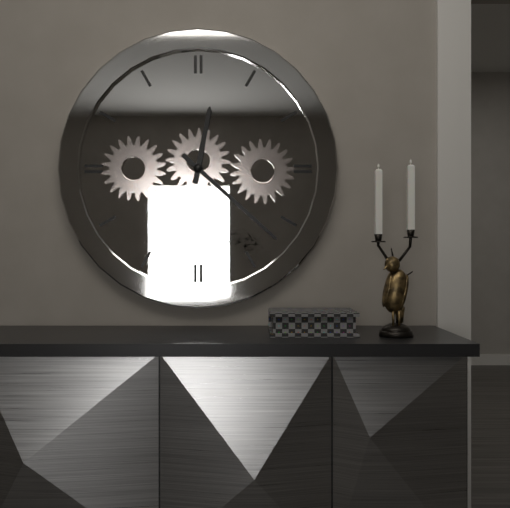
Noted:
12:22
